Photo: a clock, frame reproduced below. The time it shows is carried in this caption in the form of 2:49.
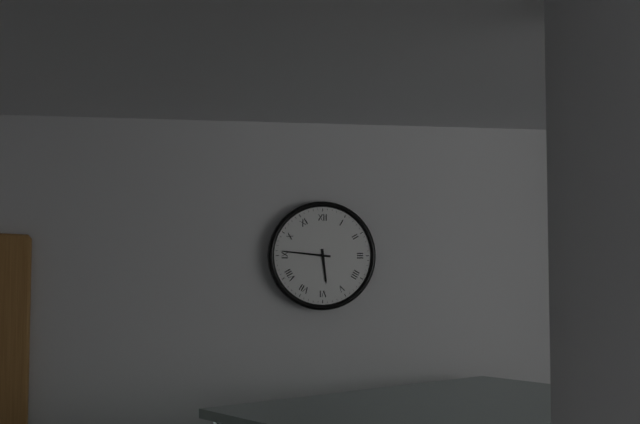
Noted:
5:46
